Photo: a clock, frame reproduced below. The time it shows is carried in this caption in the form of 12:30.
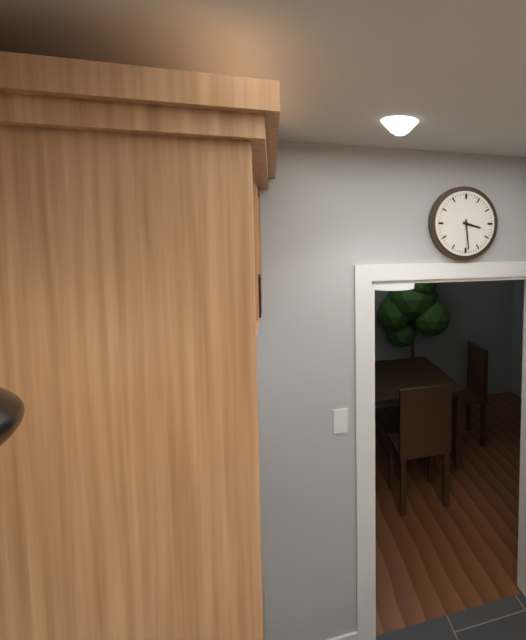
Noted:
3:29
